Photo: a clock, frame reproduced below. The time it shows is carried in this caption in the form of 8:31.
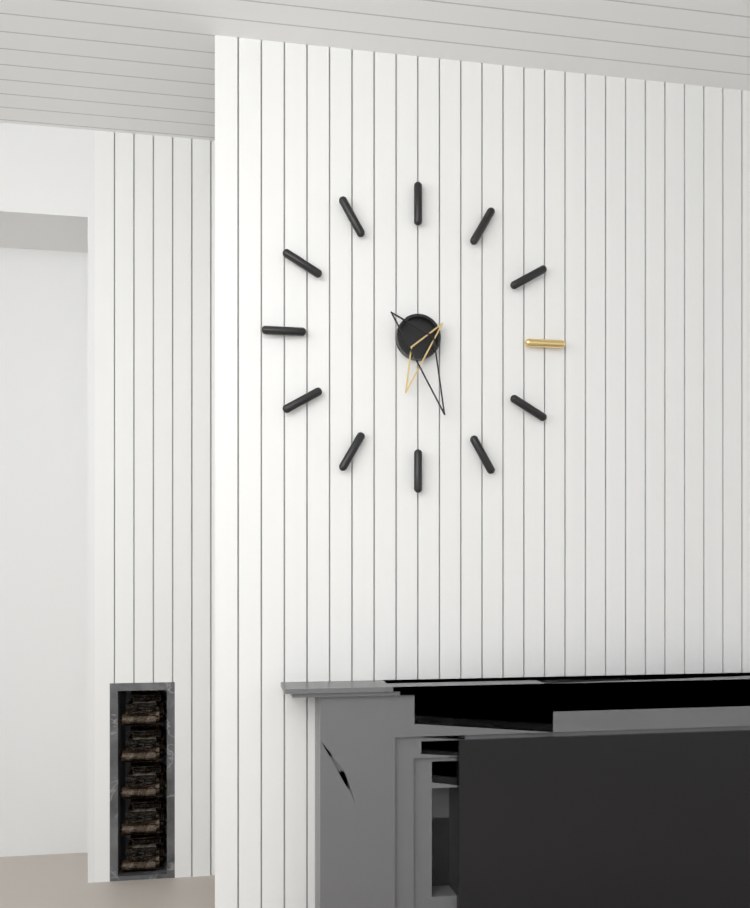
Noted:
6:27
